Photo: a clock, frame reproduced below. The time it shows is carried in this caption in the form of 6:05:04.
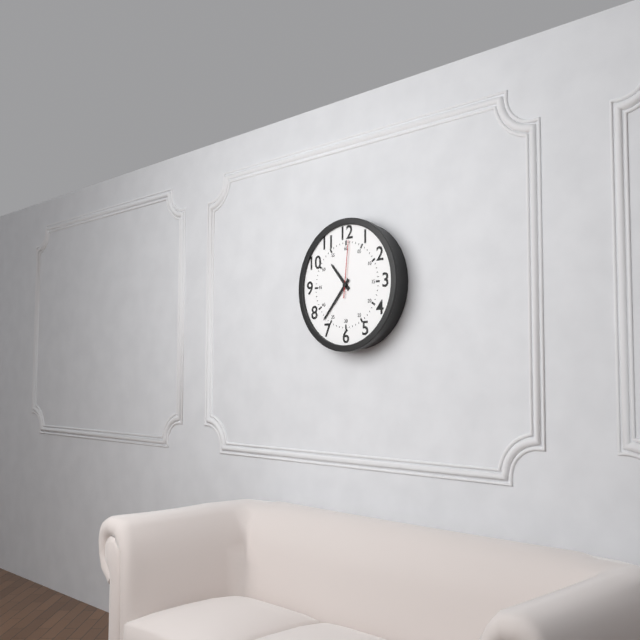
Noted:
10:37:01
